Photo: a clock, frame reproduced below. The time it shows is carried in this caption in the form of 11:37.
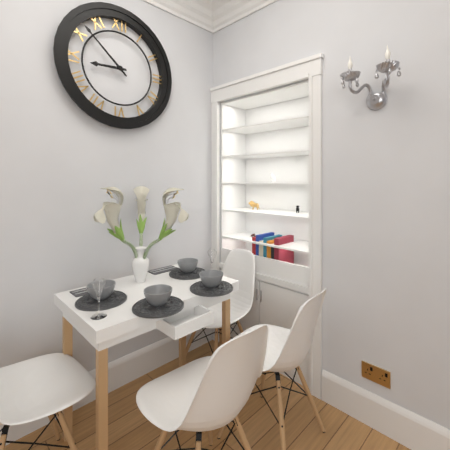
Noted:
8:52
